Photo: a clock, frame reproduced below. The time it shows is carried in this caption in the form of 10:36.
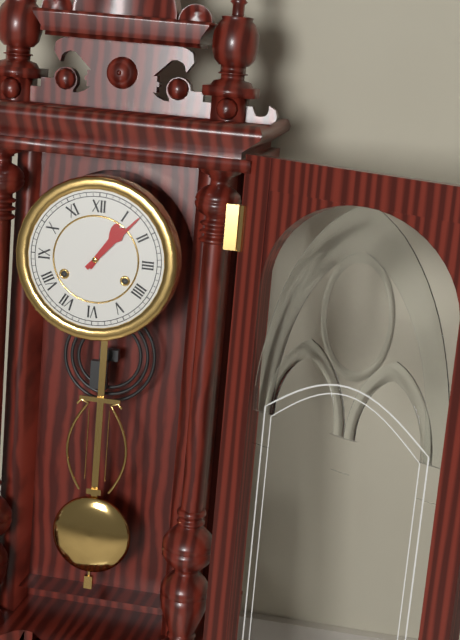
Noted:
1:07
